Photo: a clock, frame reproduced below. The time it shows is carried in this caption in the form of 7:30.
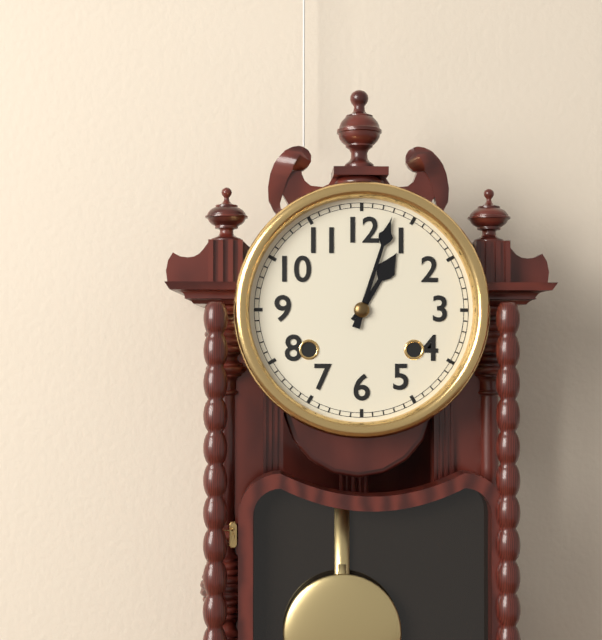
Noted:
1:03
